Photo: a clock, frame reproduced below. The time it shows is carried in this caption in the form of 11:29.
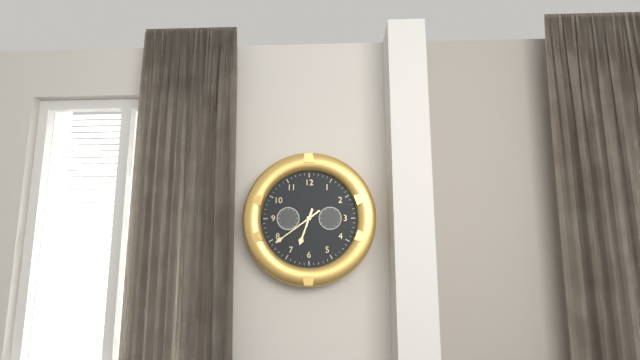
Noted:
6:39
